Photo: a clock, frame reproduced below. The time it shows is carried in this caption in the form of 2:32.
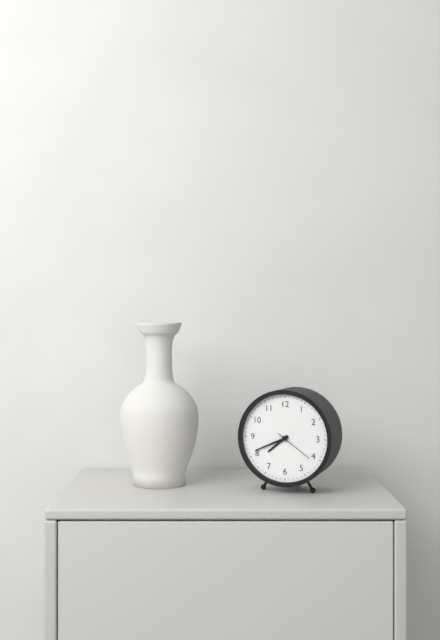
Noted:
7:41
